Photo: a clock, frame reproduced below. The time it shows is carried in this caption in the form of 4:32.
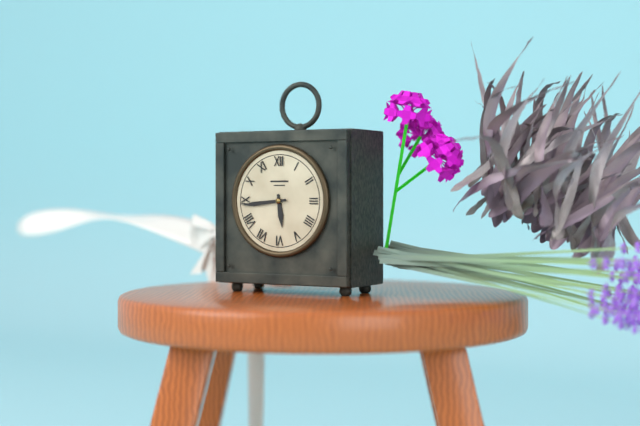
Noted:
5:44
